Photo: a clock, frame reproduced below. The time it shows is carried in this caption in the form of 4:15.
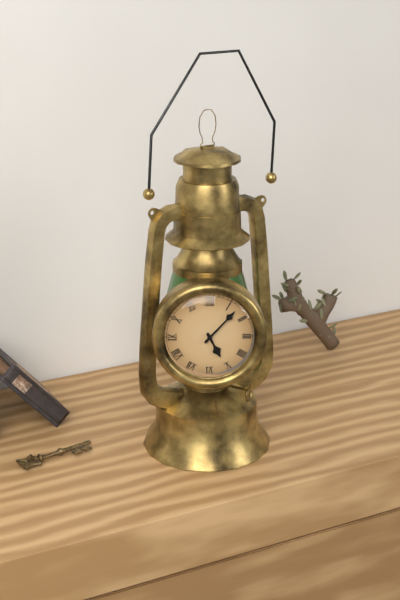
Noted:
5:07
